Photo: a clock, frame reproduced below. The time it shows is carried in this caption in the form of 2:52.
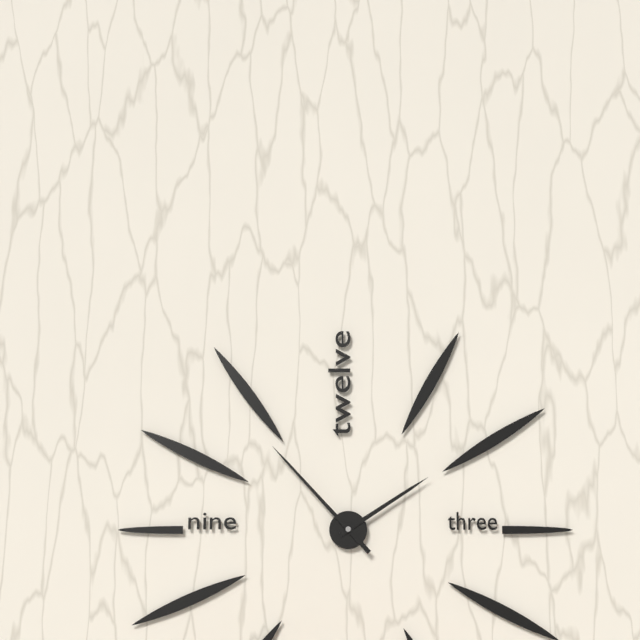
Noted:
1:53
